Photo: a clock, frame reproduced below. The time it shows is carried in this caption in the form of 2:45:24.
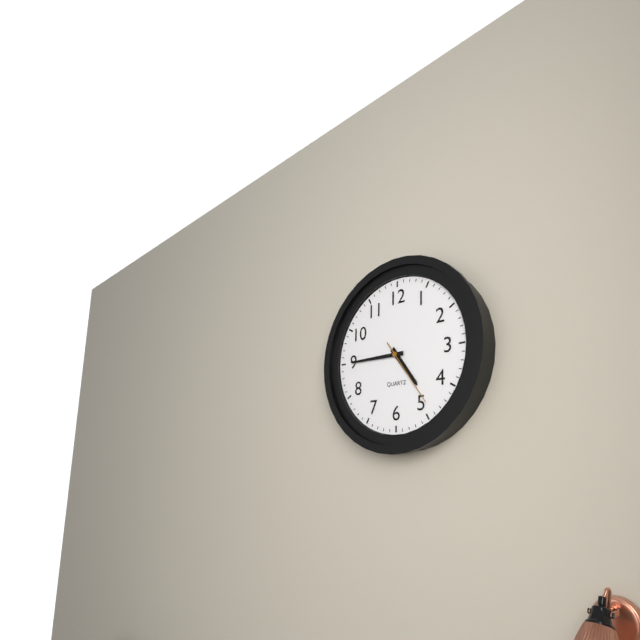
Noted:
4:45:24
